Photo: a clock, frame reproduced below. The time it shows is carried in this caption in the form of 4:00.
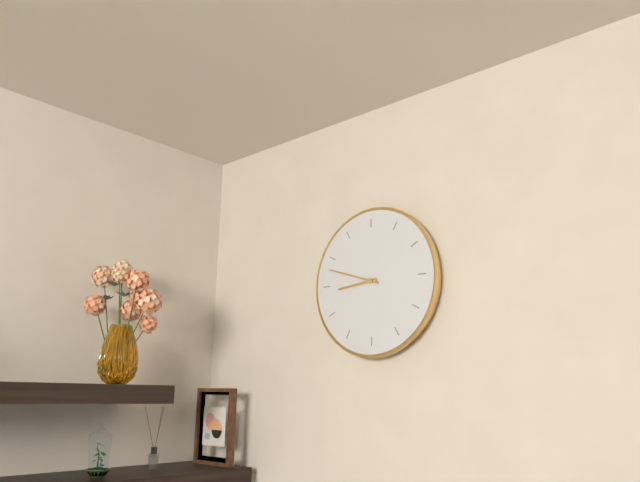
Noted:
8:48
